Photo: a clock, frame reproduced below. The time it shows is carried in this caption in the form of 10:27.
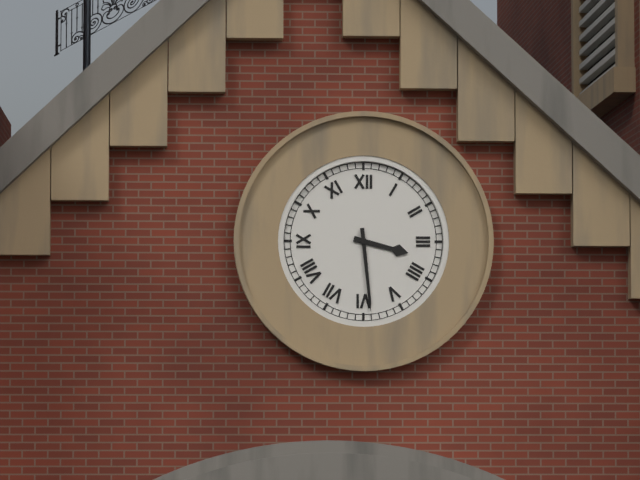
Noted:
3:29
